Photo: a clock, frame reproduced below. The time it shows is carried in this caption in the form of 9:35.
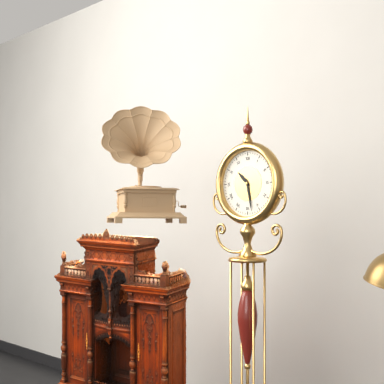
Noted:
10:28
